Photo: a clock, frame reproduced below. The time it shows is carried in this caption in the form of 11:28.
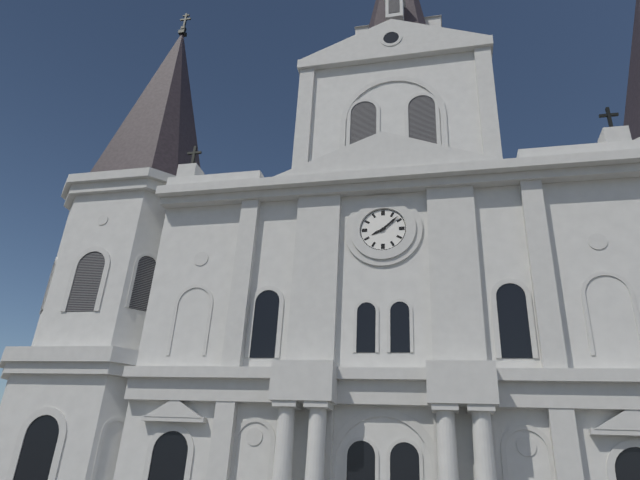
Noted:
8:08
